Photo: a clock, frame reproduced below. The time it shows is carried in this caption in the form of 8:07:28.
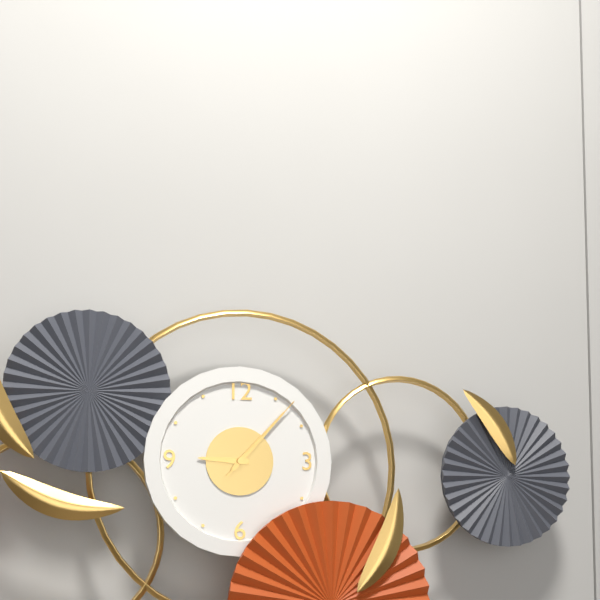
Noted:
9:07:07
